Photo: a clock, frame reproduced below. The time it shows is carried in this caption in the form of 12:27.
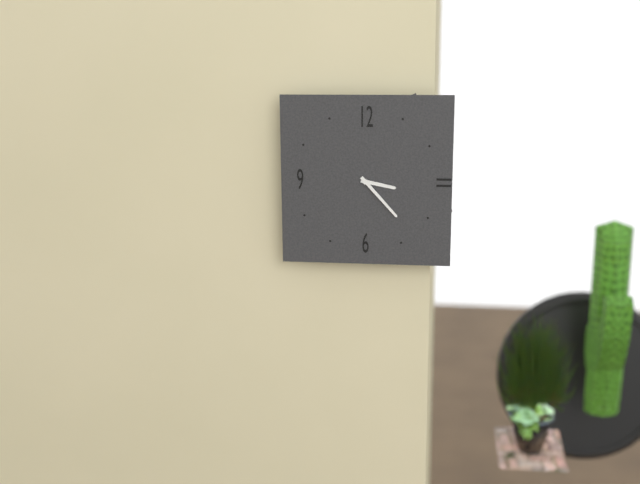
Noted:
3:23
